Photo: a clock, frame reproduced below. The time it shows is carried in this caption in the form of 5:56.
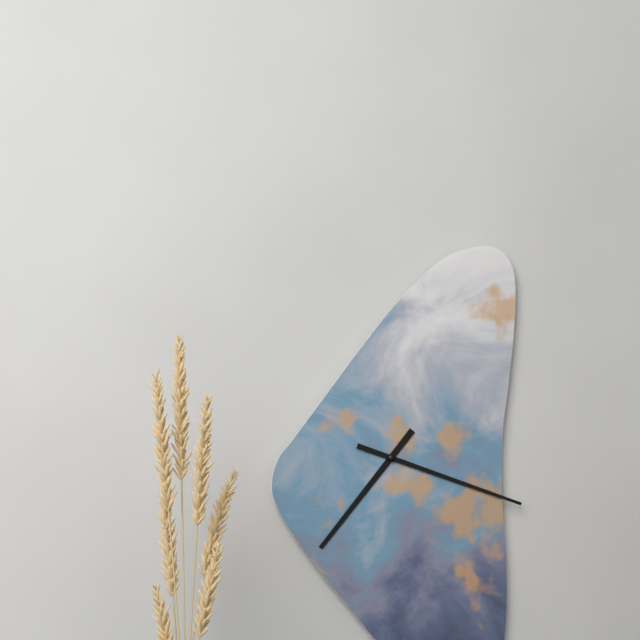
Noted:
7:18
